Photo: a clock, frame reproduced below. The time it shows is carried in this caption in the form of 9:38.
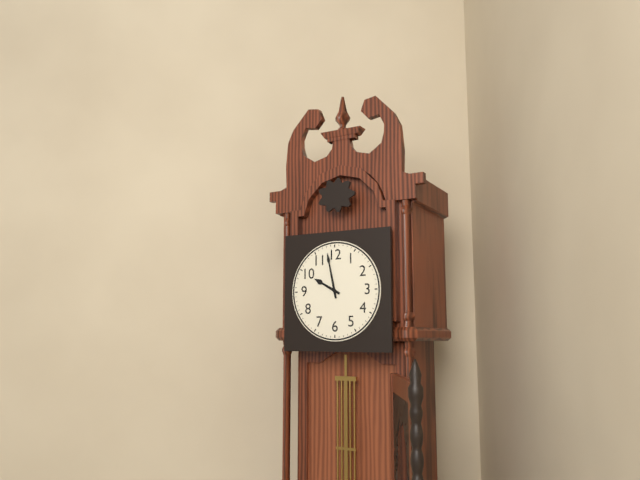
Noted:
9:58
